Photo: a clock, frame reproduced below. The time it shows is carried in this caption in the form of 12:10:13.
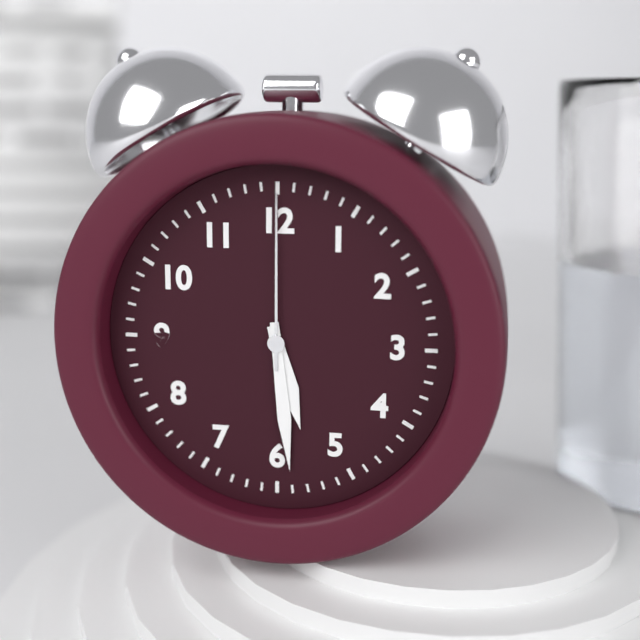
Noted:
5:29:00
